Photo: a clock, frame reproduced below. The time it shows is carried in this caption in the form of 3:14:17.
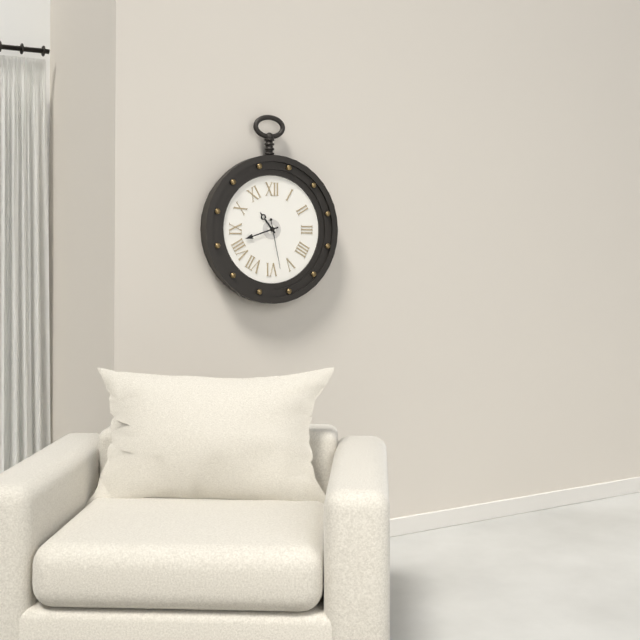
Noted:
10:42:28
